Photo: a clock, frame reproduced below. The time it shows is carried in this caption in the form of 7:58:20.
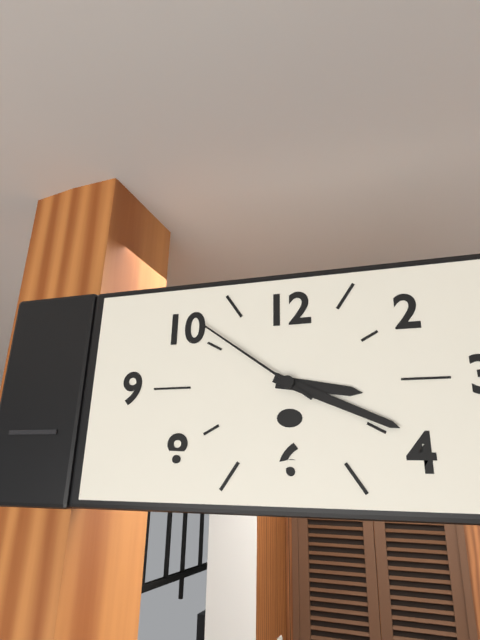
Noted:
3:19:51
